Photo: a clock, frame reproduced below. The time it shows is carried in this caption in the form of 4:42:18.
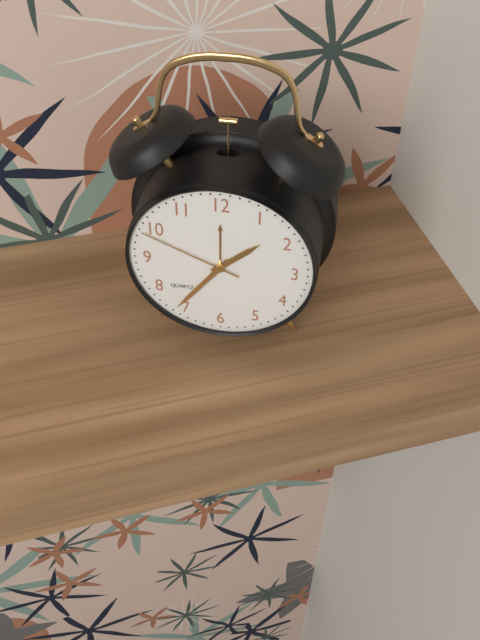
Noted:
1:36:49
